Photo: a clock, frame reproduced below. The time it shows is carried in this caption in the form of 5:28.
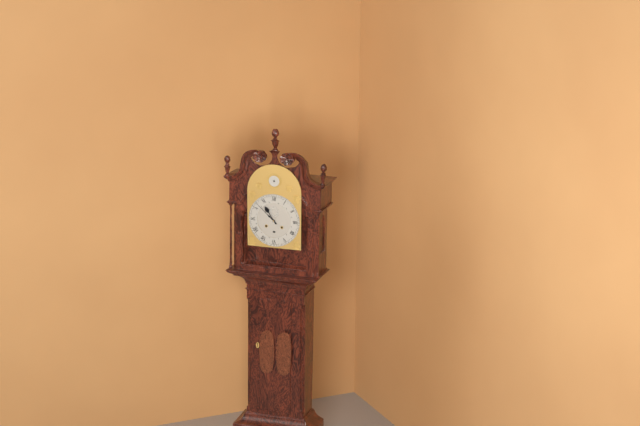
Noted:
10:52
